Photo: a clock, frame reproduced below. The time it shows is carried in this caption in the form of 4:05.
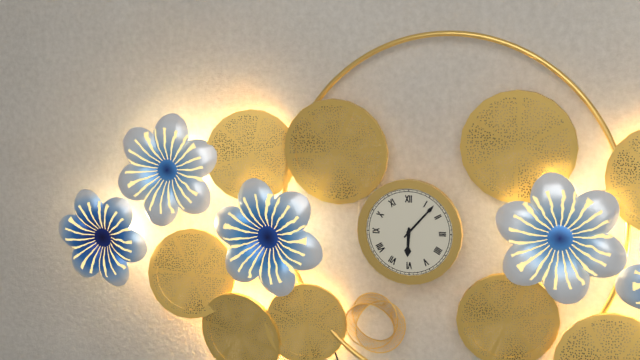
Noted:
6:07
